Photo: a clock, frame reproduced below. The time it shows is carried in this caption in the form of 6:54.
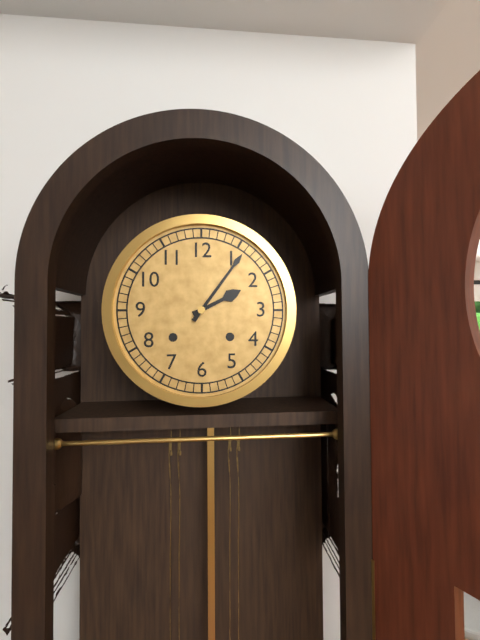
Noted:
2:06
